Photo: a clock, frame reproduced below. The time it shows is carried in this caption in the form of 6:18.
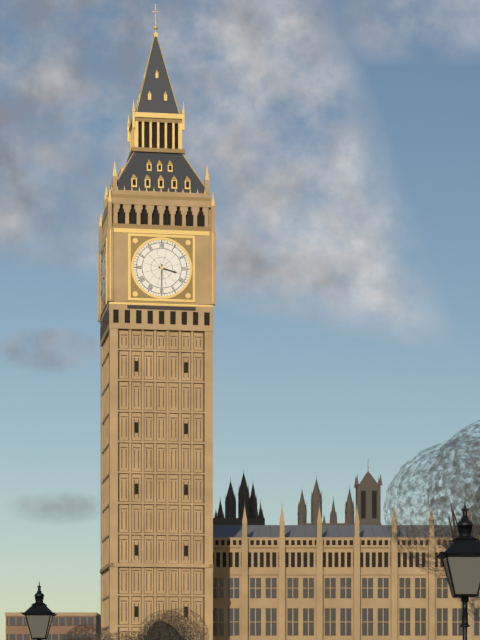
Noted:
3:30
